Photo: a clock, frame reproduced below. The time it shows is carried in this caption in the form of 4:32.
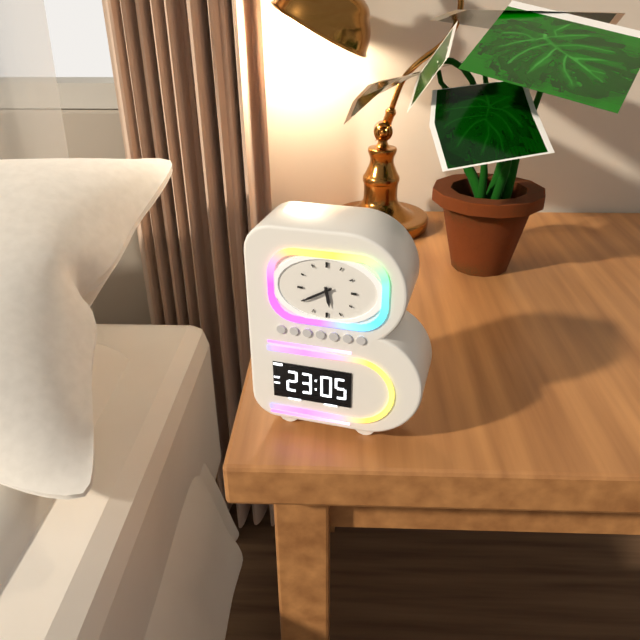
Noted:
5:40
